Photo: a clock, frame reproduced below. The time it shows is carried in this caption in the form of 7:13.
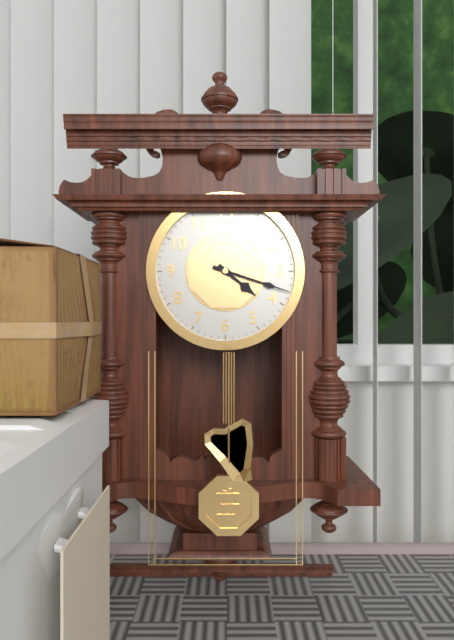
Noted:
4:18
